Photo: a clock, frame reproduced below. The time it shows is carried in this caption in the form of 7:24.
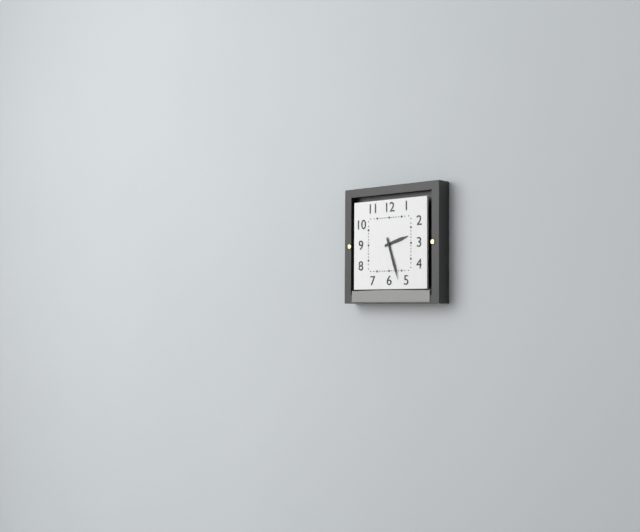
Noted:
2:27
